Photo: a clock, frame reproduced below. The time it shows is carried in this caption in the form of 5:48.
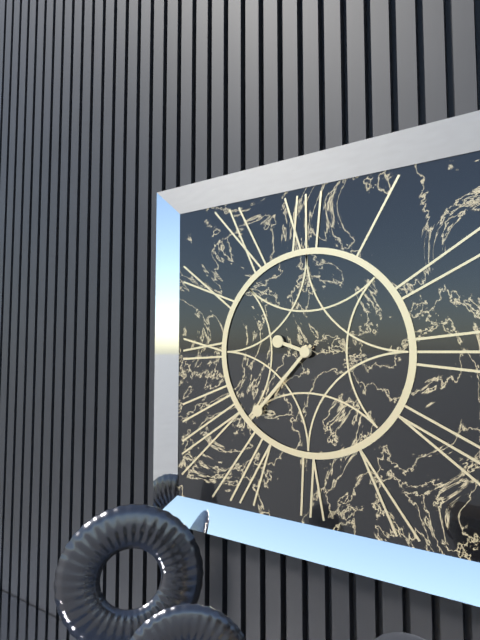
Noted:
9:37
